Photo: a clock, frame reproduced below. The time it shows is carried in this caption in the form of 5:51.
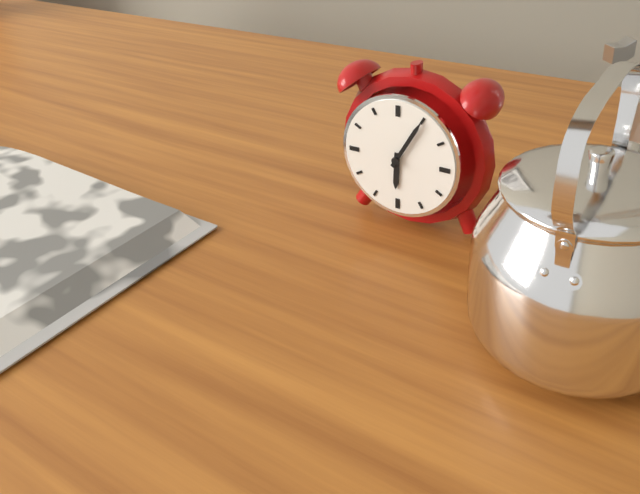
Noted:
6:05
